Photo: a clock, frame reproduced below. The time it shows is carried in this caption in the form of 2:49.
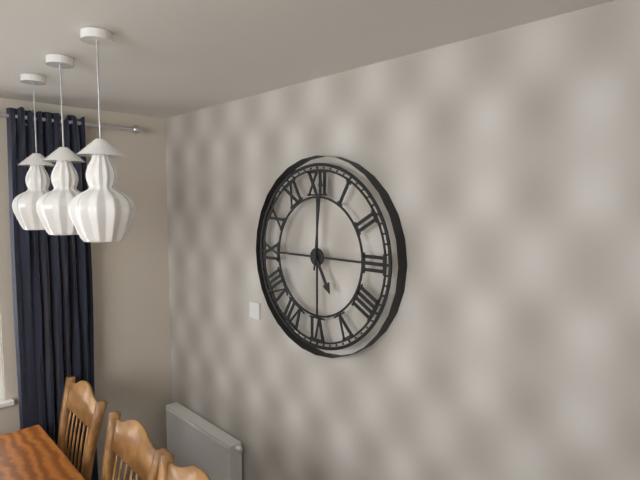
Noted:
5:01
